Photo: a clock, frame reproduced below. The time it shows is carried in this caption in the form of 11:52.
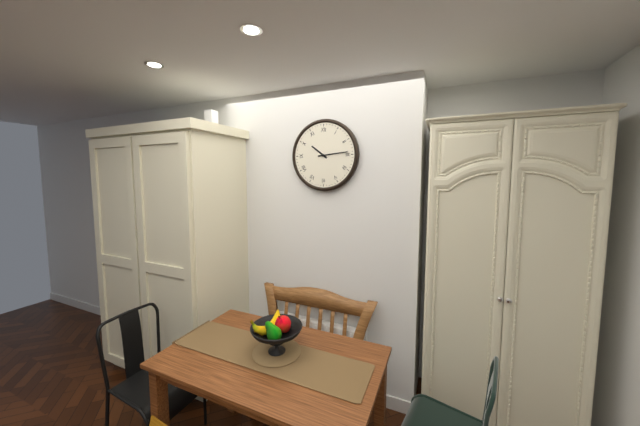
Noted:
10:14
